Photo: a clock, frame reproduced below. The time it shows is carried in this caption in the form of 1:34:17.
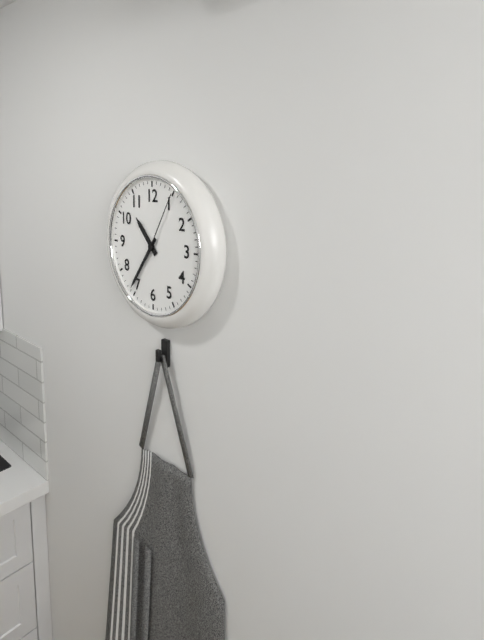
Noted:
10:36:05
